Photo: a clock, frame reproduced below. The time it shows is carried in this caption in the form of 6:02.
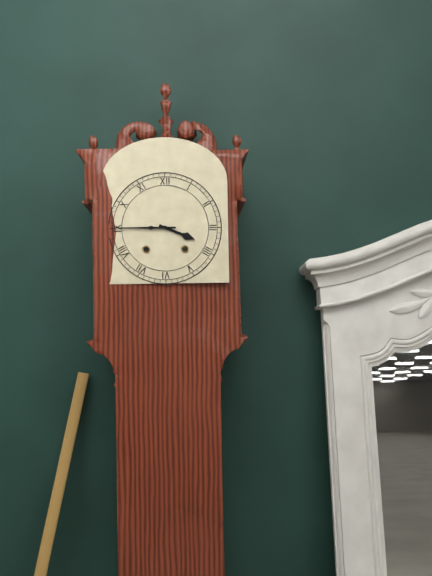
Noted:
3:45
